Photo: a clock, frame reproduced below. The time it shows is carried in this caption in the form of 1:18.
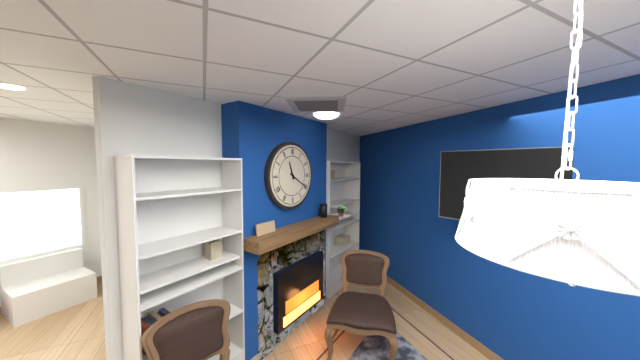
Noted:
11:20
